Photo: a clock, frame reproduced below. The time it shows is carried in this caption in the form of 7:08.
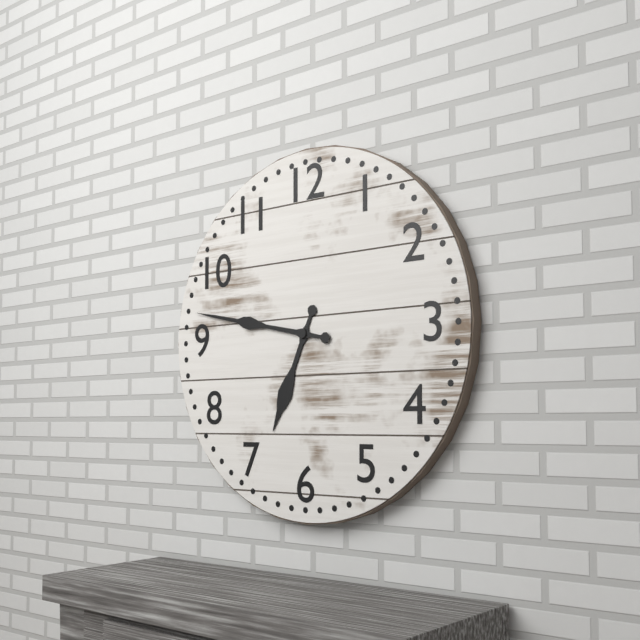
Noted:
6:47
